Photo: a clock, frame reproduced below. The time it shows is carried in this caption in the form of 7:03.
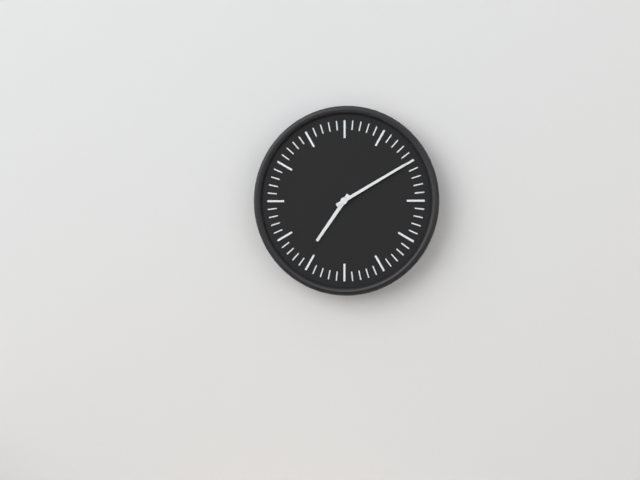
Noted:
7:10
